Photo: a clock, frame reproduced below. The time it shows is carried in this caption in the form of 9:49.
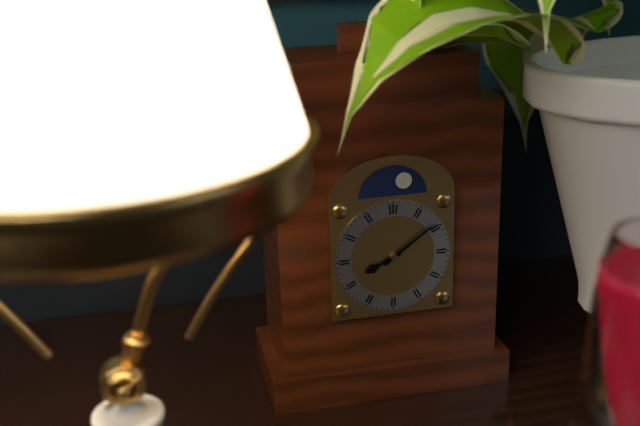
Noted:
8:09
